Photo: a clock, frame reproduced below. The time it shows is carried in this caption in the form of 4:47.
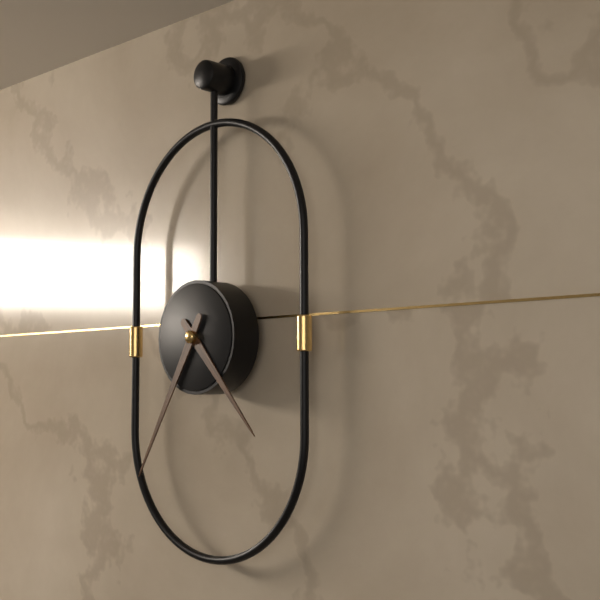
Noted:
4:35
